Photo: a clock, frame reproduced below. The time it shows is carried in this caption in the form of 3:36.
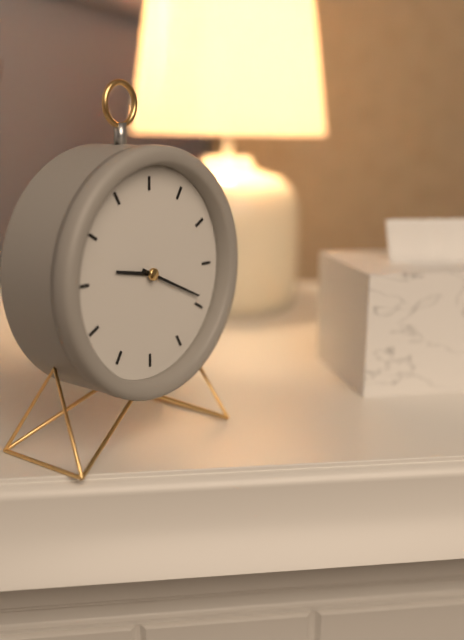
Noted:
9:19
